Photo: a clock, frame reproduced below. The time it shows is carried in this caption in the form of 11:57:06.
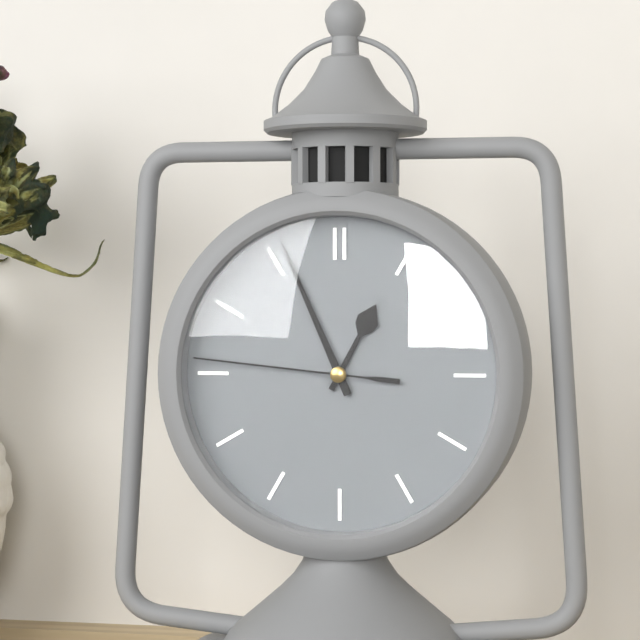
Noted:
12:56:46
